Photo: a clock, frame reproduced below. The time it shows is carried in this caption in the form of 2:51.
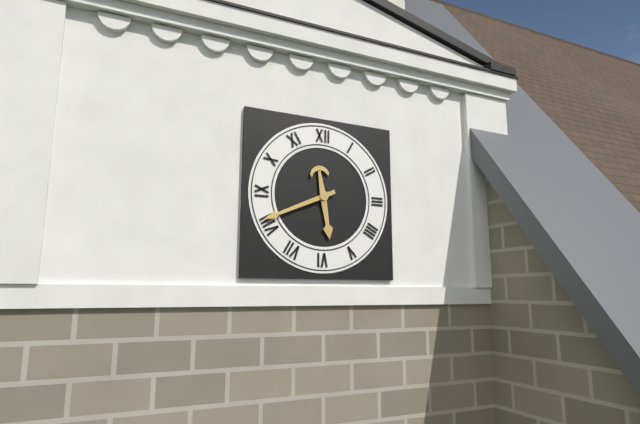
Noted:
5:41
